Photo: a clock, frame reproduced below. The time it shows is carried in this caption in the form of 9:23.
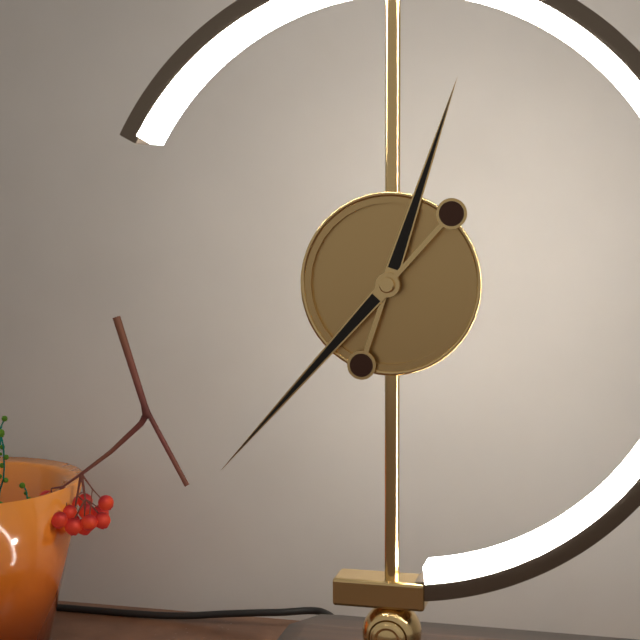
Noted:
12:37
